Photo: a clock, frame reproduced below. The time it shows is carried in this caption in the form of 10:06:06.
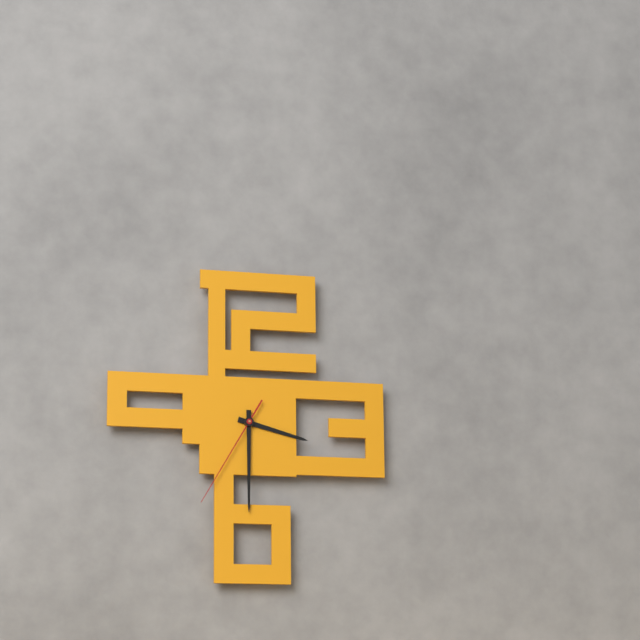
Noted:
3:30:35
